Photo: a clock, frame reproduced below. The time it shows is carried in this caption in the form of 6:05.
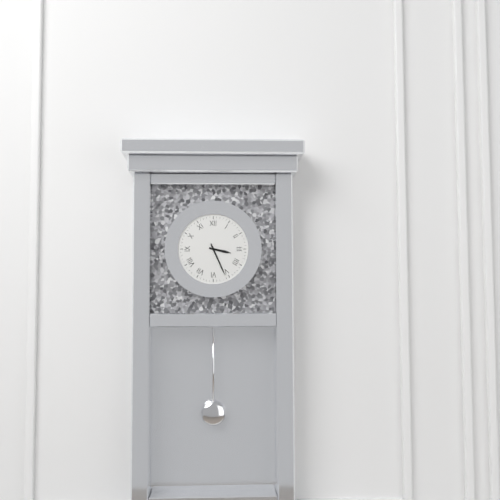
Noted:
3:26
